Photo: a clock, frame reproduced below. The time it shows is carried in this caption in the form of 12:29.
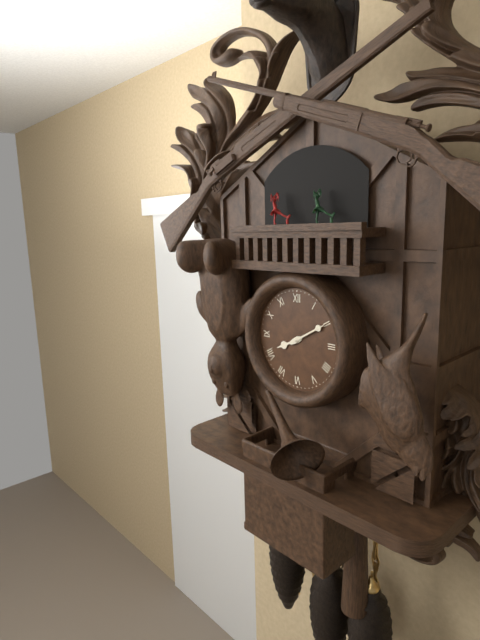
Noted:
8:10
